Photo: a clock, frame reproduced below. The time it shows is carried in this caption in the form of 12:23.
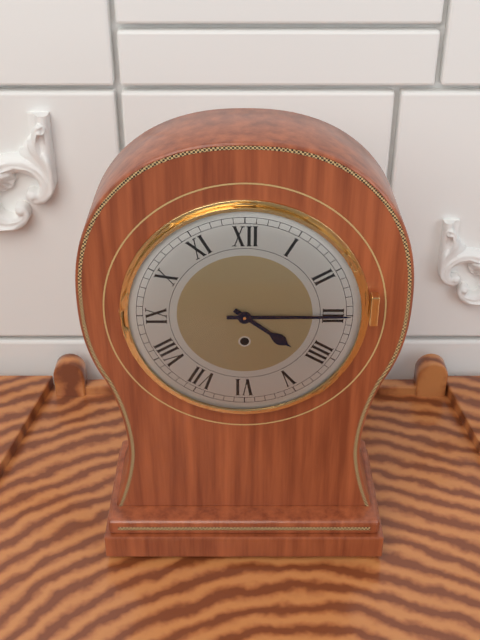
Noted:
4:15
